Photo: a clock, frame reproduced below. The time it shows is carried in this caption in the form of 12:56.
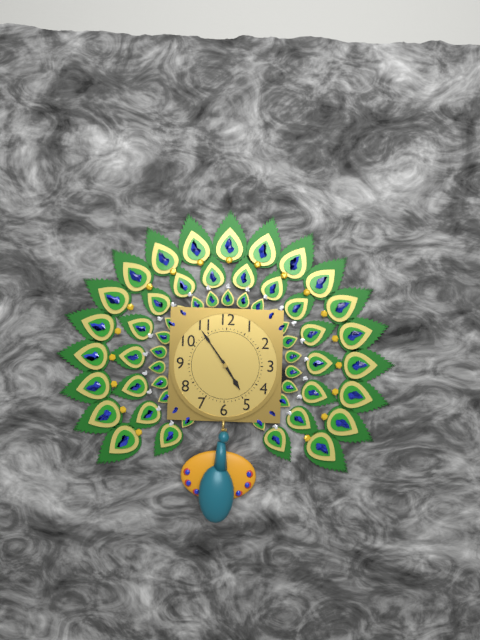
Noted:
4:54
